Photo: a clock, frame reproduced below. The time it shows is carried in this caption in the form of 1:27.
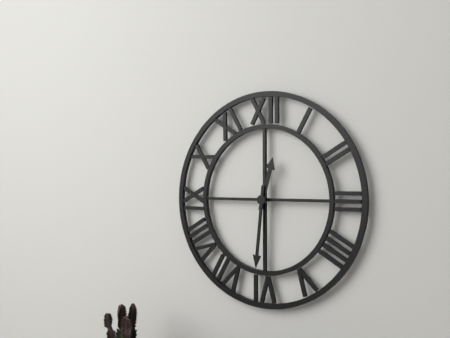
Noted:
12:31
